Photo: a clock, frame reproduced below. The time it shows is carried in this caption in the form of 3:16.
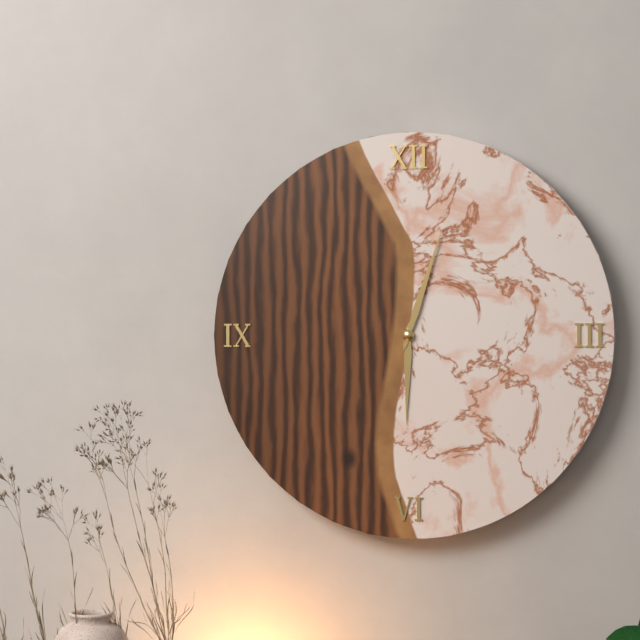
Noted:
6:03
